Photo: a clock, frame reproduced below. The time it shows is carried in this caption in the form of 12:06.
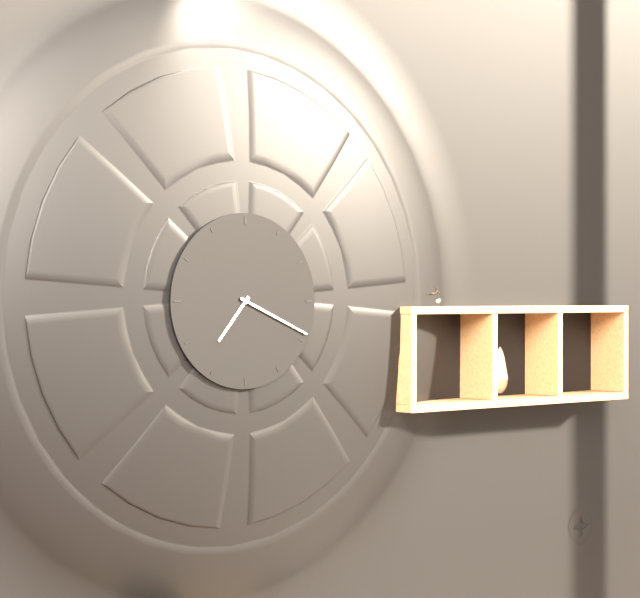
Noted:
7:19
